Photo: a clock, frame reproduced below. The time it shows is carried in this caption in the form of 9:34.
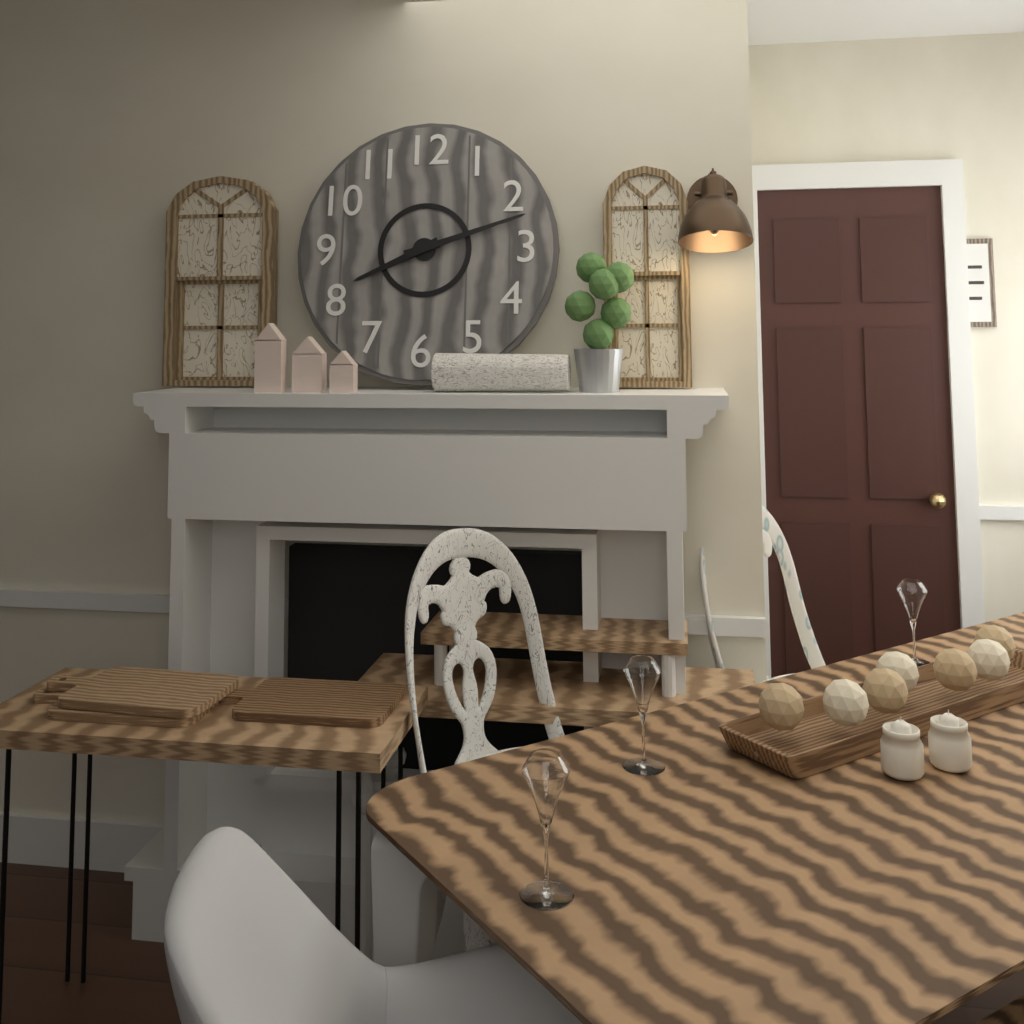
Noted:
8:12
